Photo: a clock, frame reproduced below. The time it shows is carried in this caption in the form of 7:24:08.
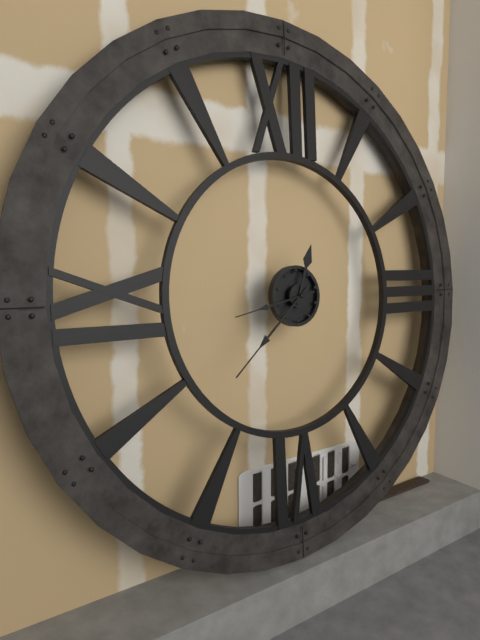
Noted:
12:38:43
